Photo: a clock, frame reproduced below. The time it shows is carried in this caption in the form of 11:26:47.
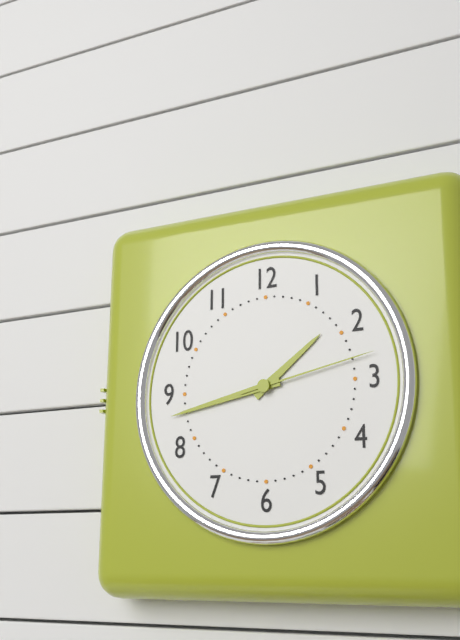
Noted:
1:43:13
